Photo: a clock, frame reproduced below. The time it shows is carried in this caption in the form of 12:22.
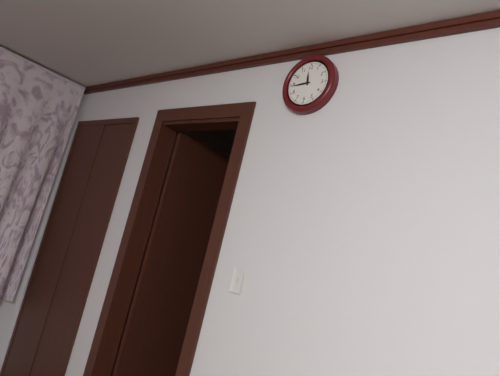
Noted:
11:44
